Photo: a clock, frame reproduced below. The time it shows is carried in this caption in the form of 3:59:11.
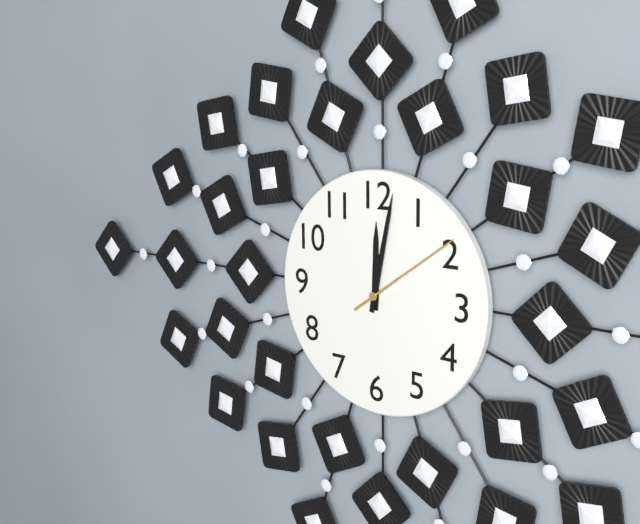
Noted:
12:02:09
